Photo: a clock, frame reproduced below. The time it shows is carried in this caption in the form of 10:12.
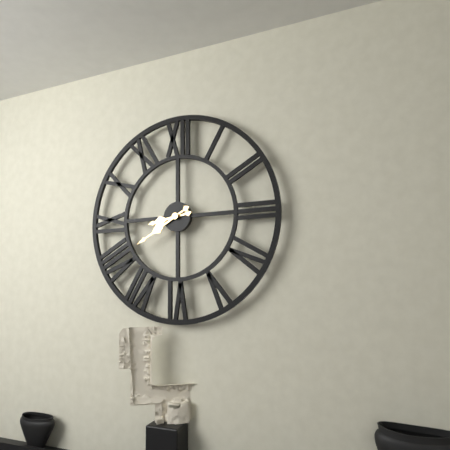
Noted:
8:40
